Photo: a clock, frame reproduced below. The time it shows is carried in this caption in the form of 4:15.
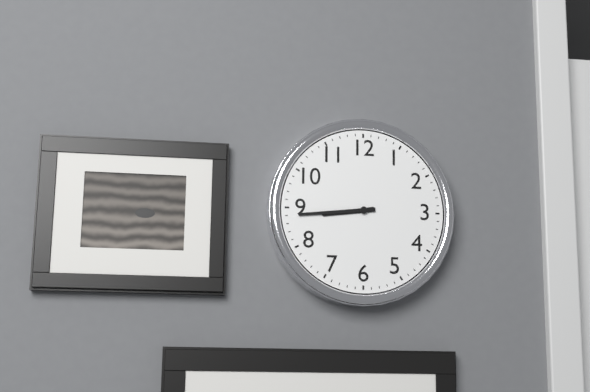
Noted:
8:44
